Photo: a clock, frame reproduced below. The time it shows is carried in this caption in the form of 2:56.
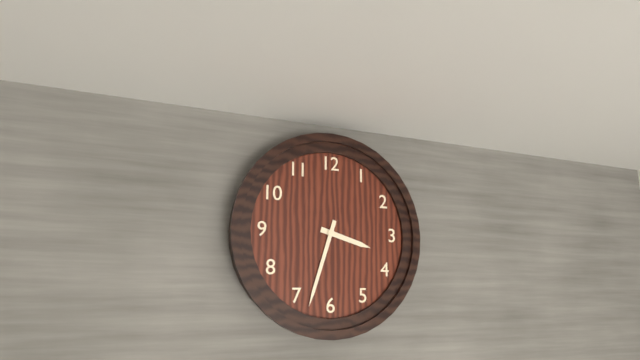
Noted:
3:33
